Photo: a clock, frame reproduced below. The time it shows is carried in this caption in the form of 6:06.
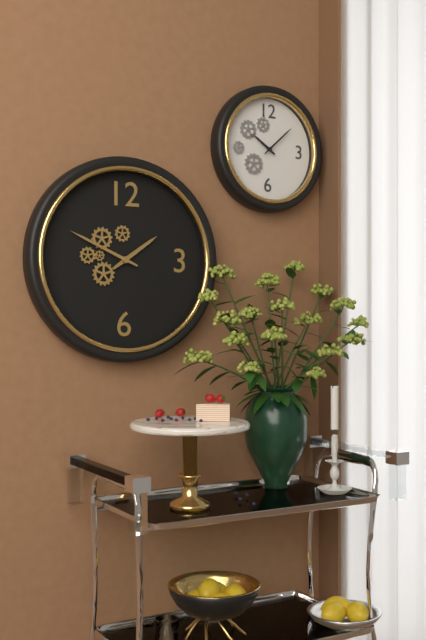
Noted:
1:49
